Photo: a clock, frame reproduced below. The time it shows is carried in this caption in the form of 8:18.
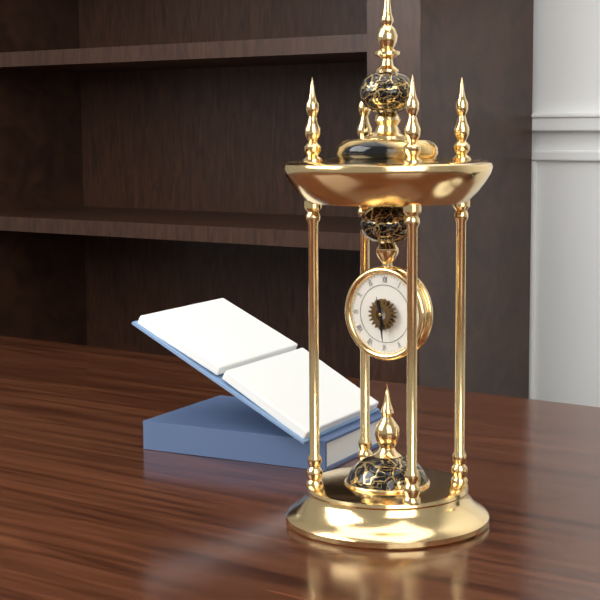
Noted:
11:29
